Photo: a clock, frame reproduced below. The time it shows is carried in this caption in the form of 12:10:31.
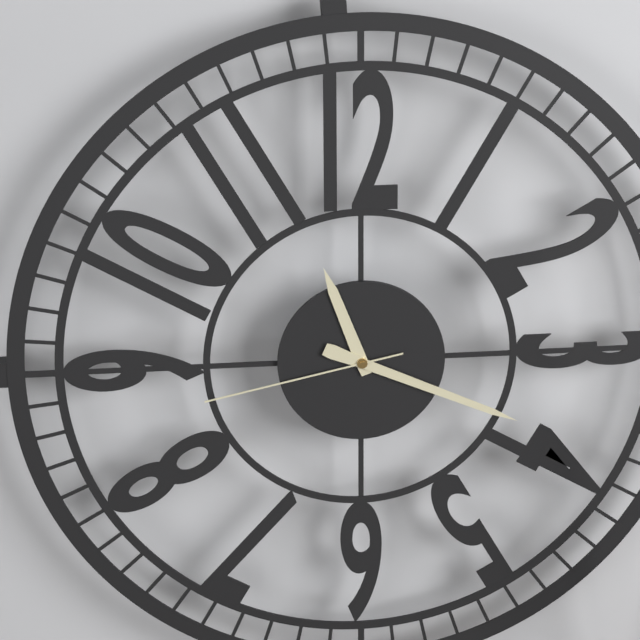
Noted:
11:19:43
